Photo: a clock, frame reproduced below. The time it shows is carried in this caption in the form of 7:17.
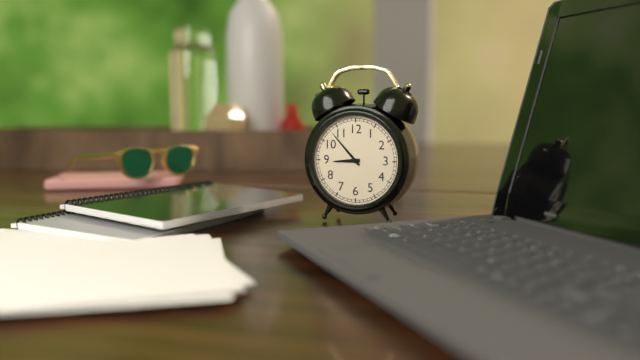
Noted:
8:53
